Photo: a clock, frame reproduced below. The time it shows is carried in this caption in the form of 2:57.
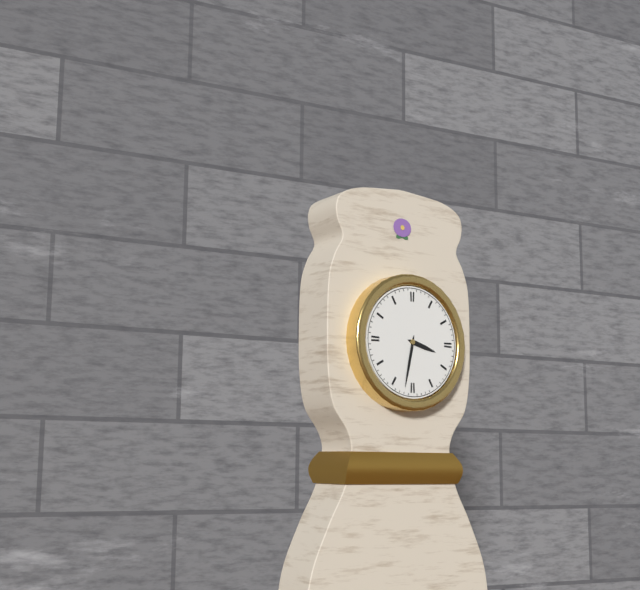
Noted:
3:32
